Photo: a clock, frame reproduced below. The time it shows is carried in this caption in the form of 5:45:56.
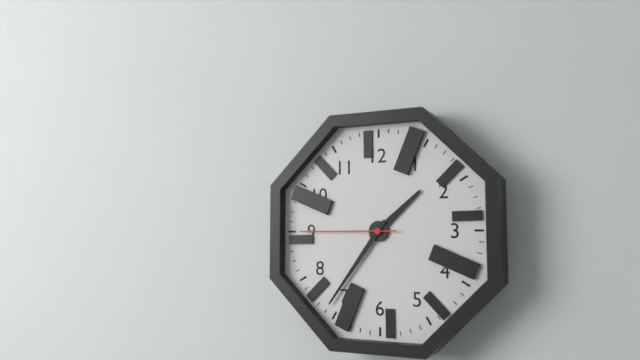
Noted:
1:36:45
